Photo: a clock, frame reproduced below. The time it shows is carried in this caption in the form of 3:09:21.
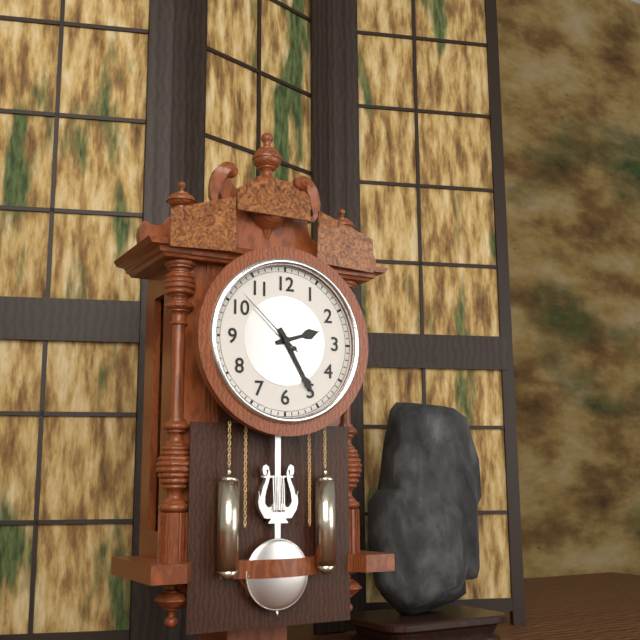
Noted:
2:25:52
